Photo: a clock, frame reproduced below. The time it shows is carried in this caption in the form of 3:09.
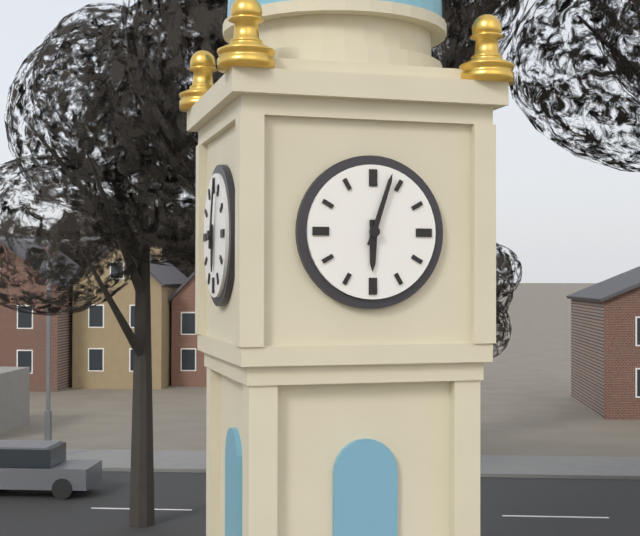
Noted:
6:03
